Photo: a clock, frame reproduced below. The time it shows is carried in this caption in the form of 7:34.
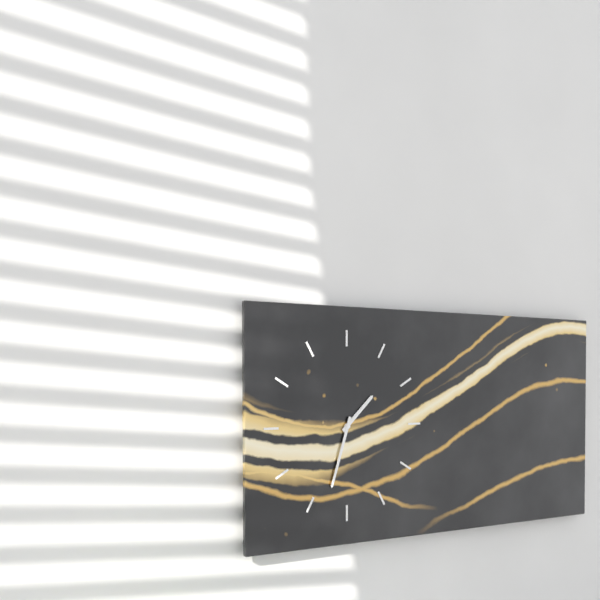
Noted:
1:33
